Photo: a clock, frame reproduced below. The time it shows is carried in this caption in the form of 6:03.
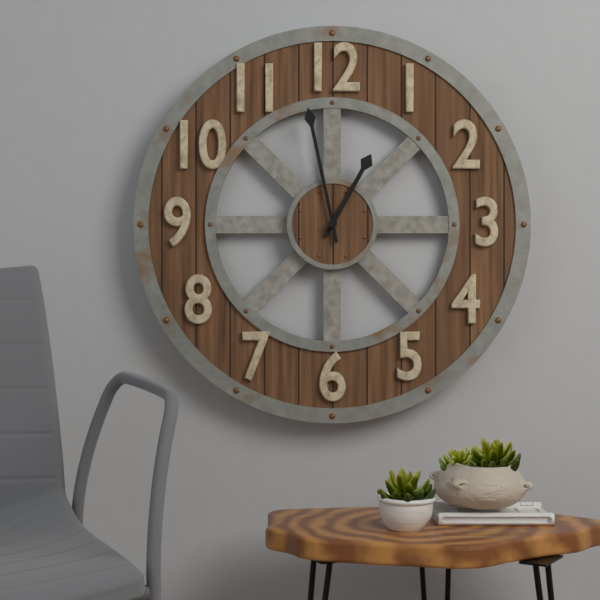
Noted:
12:58
